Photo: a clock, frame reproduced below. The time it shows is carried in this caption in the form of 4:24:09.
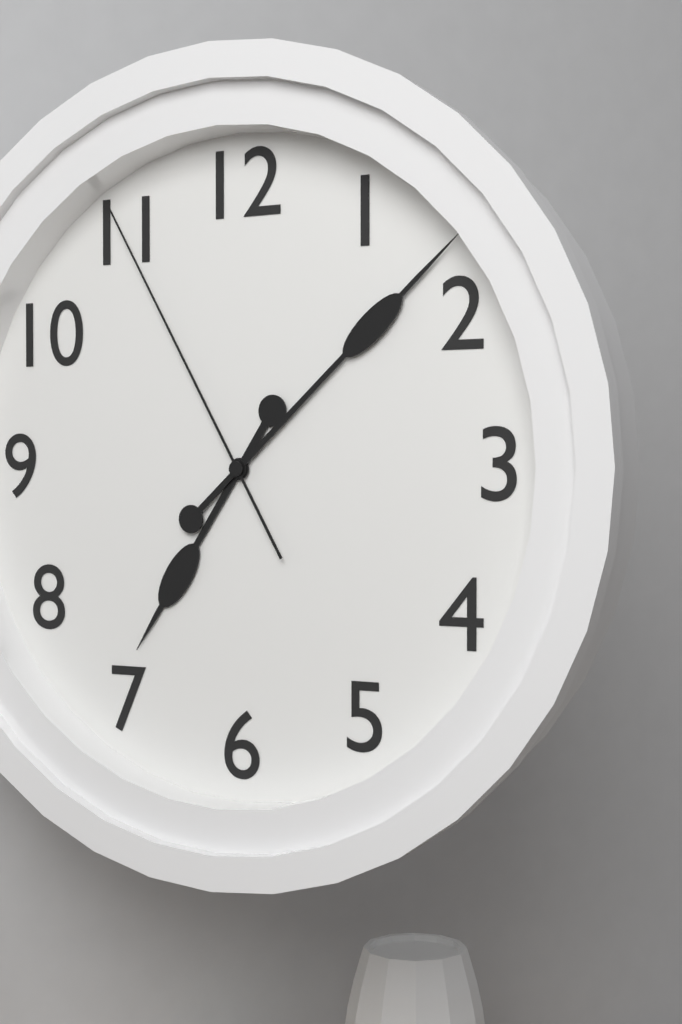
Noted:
7:08:55
